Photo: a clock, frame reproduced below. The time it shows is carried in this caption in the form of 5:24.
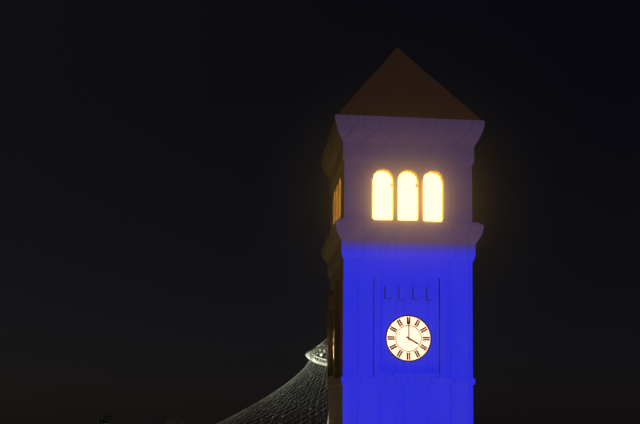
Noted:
4:00
